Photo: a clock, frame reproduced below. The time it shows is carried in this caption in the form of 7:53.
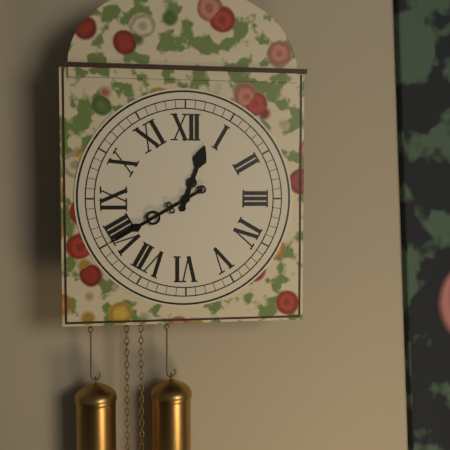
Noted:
12:40
